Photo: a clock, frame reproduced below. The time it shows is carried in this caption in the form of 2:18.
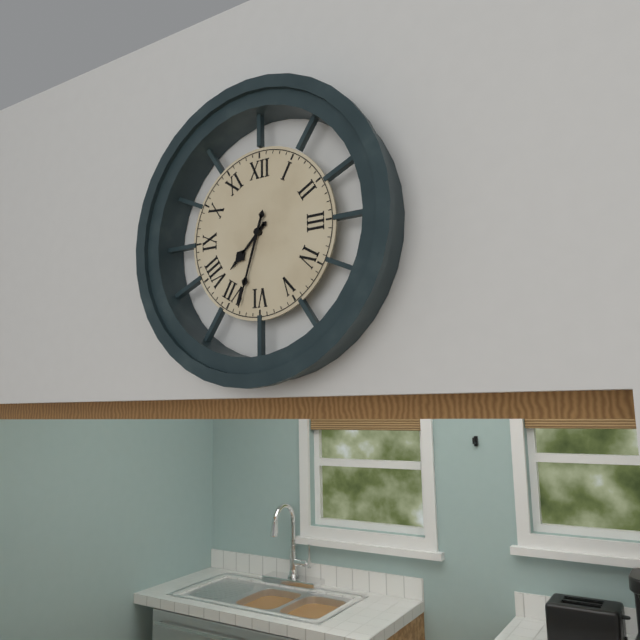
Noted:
7:33
